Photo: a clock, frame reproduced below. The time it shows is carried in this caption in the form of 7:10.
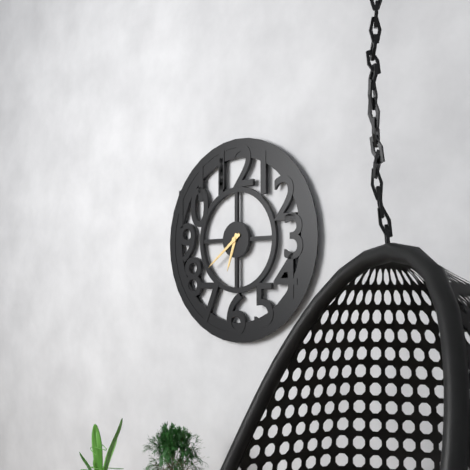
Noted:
6:39
